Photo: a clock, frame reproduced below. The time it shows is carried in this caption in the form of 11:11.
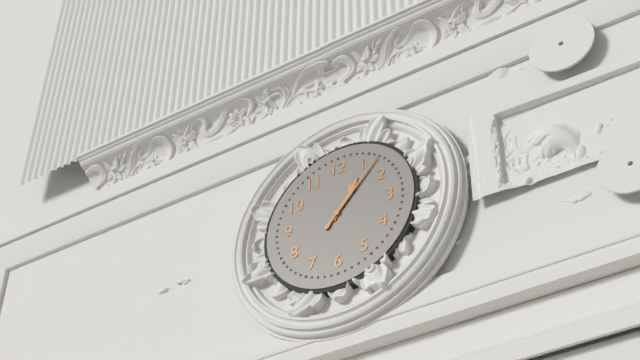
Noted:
1:07
